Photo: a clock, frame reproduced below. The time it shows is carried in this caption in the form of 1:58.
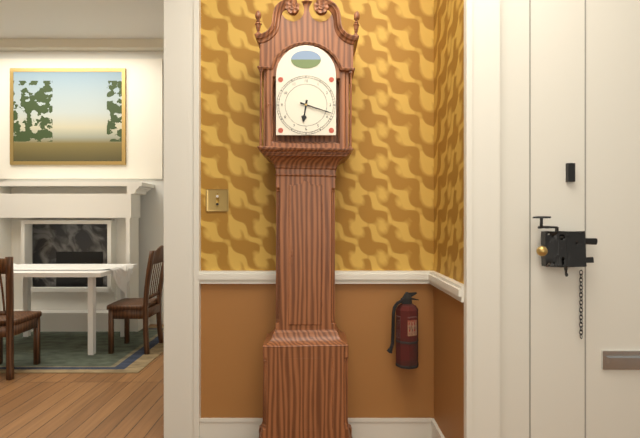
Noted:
6:18
